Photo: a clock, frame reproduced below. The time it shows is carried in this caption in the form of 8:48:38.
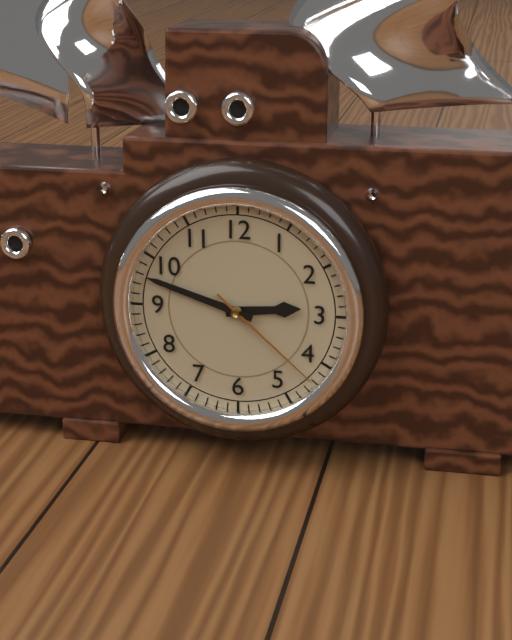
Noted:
2:48:22
